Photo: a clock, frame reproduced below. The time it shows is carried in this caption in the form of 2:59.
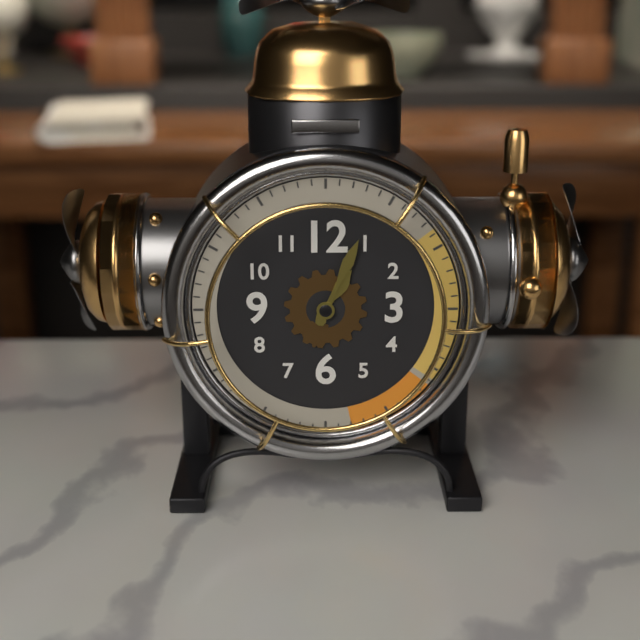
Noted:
1:04
